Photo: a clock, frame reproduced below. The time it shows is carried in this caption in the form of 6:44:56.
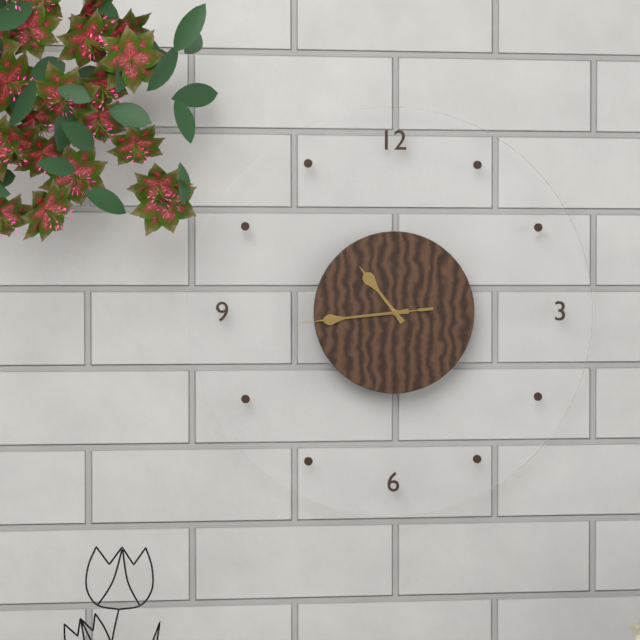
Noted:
10:44:44
